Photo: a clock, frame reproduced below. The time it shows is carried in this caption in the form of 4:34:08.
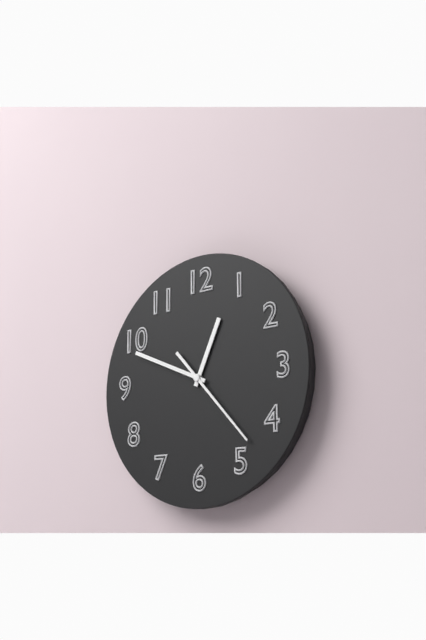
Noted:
12:49:23
